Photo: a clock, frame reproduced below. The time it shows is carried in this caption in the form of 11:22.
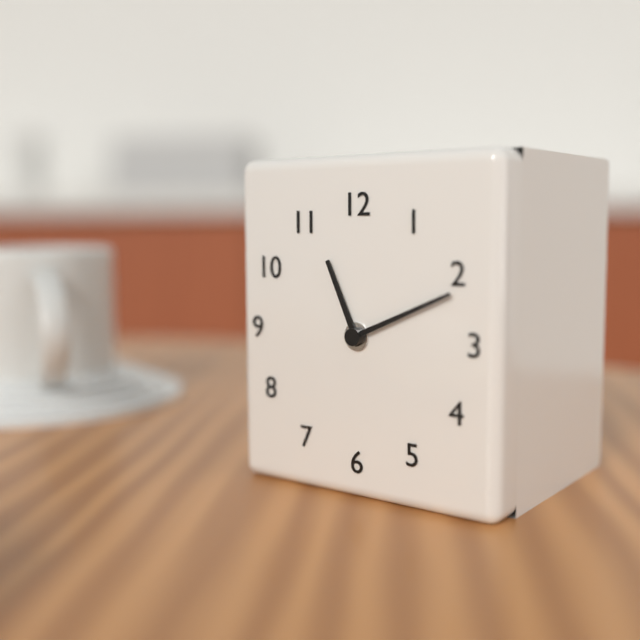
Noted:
11:11
